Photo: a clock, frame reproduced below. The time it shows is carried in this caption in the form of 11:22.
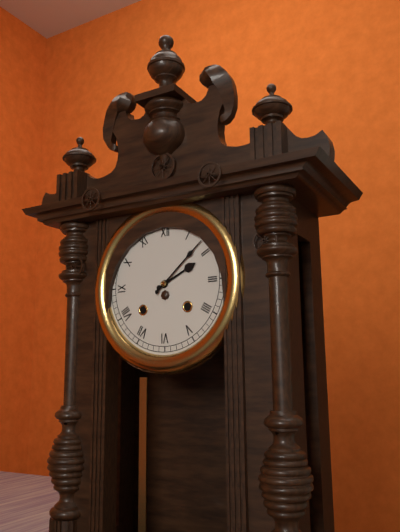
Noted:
2:08
